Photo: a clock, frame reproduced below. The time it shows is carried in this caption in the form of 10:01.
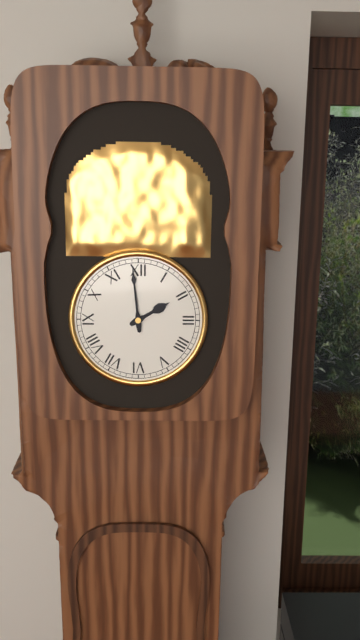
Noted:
1:59
